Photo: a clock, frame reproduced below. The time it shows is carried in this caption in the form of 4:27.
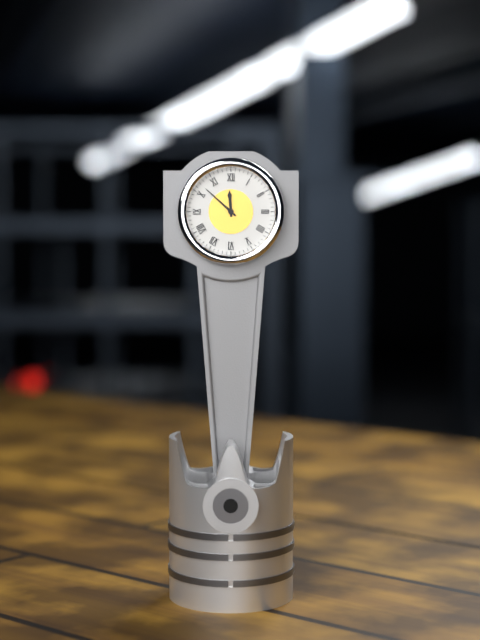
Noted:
11:52
